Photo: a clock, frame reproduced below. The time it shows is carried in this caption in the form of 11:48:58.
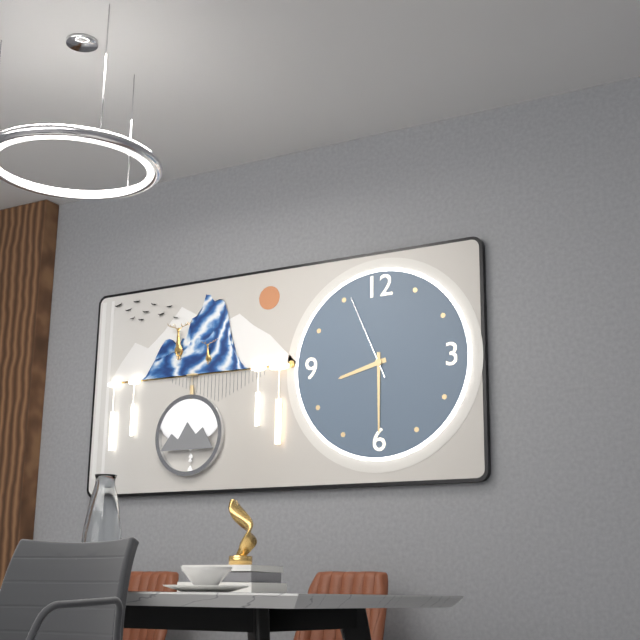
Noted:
8:30:56
